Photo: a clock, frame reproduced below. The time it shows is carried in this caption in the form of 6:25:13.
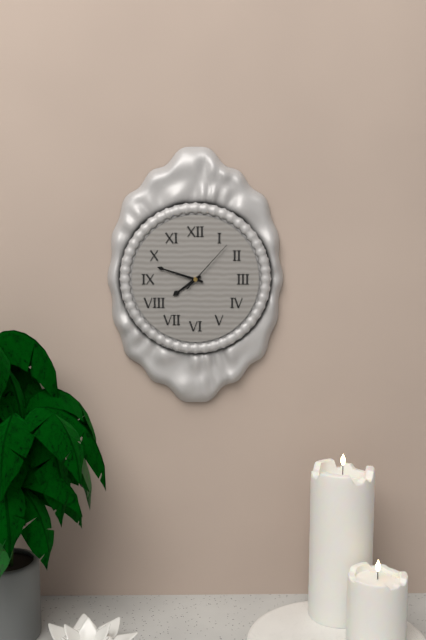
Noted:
7:48:07
